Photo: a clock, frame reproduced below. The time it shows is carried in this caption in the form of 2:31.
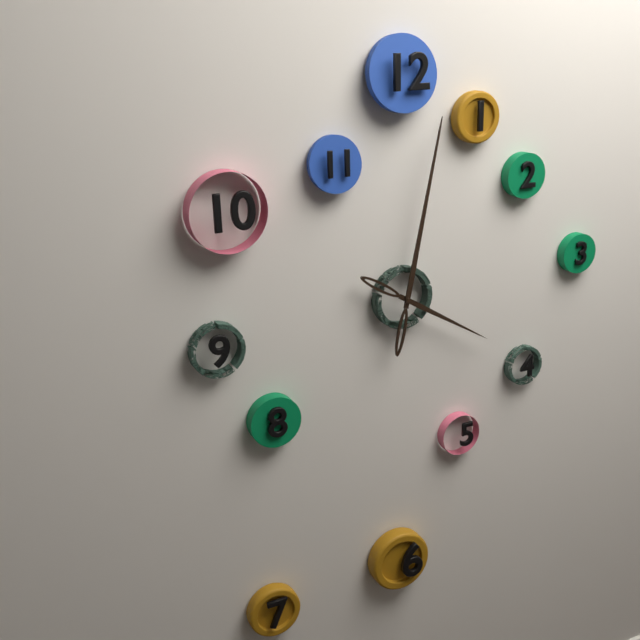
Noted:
4:02
